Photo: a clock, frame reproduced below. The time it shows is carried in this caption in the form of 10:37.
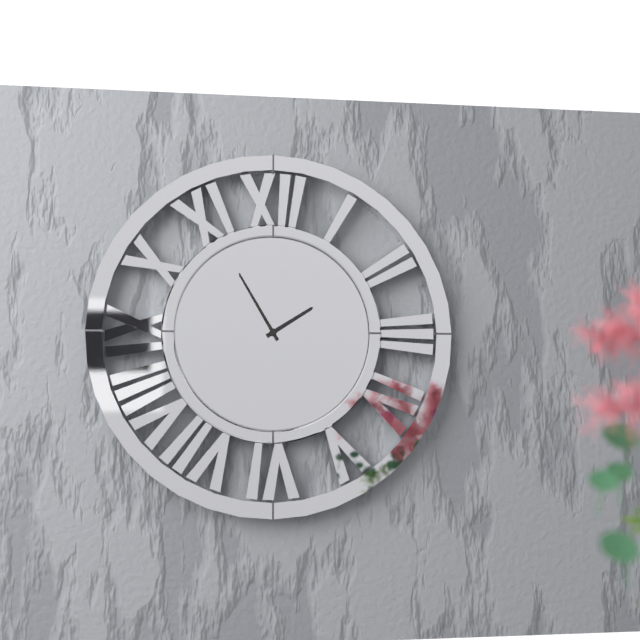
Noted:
1:55
